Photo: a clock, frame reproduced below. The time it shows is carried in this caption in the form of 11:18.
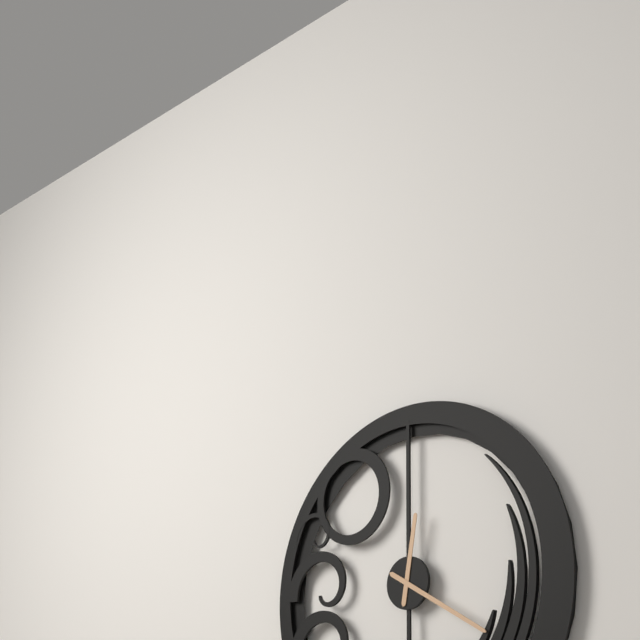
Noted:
12:20
